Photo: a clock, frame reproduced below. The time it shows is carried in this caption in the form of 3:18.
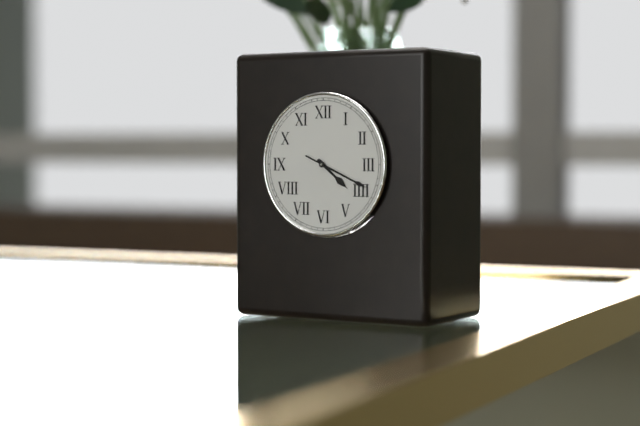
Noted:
4:19
